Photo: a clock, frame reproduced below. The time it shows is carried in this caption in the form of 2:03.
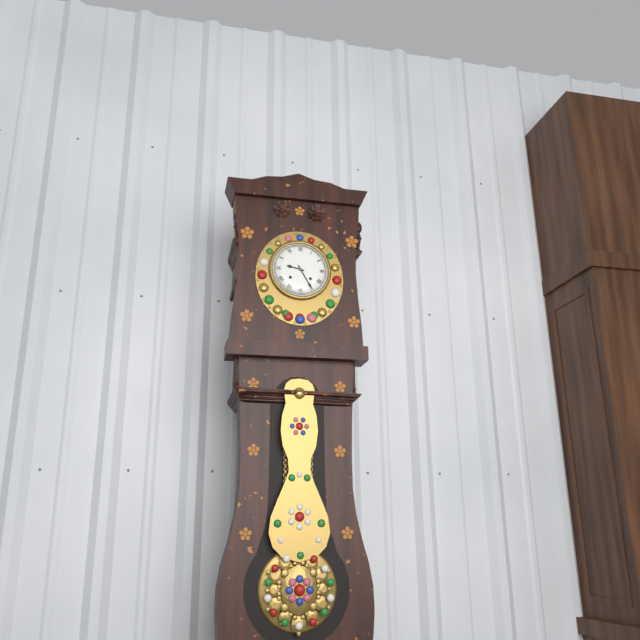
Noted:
9:25
